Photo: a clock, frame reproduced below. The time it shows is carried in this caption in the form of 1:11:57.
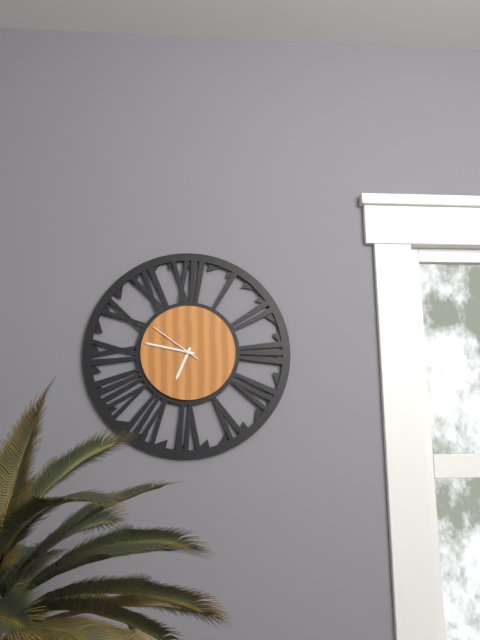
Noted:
6:47:51
